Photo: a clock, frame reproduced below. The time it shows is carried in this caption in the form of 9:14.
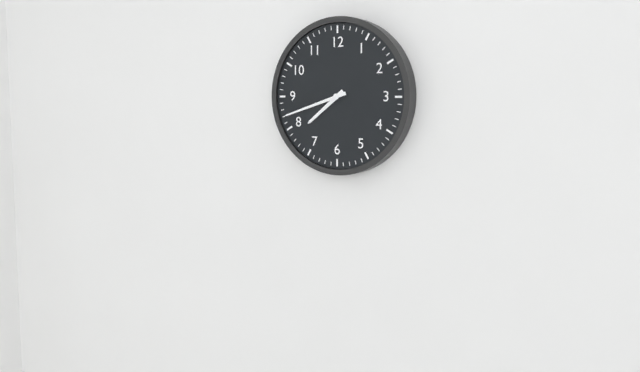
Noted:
7:42
